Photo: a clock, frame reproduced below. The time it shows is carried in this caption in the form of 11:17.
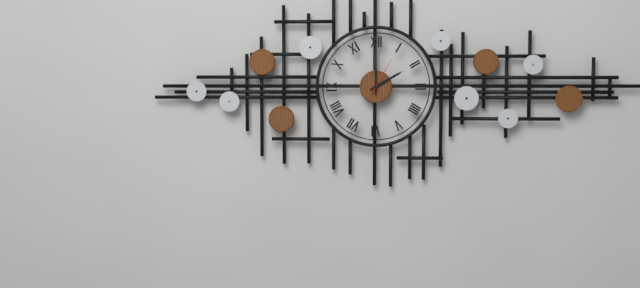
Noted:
2:00
